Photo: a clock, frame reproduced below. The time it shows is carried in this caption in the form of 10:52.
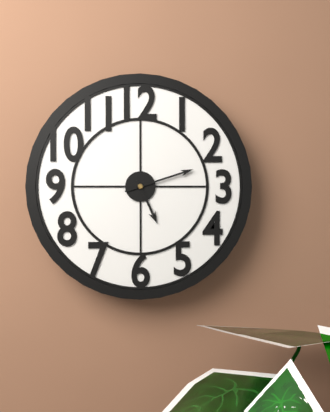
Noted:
5:12
